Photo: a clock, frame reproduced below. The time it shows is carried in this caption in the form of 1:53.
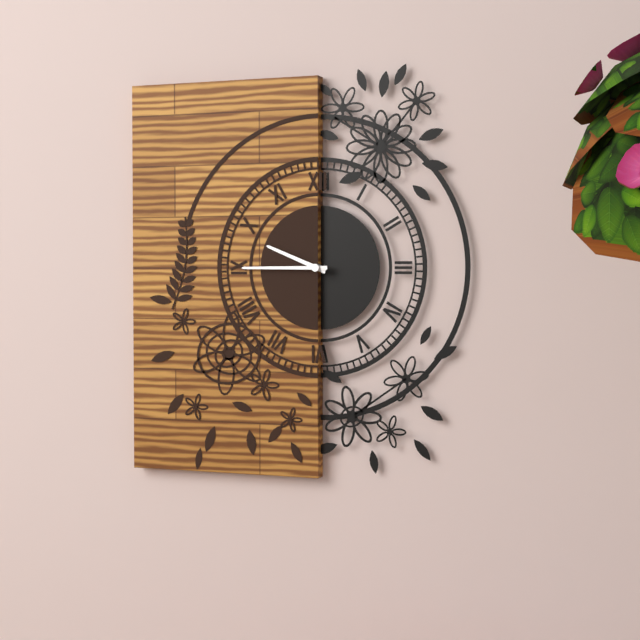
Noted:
9:45
